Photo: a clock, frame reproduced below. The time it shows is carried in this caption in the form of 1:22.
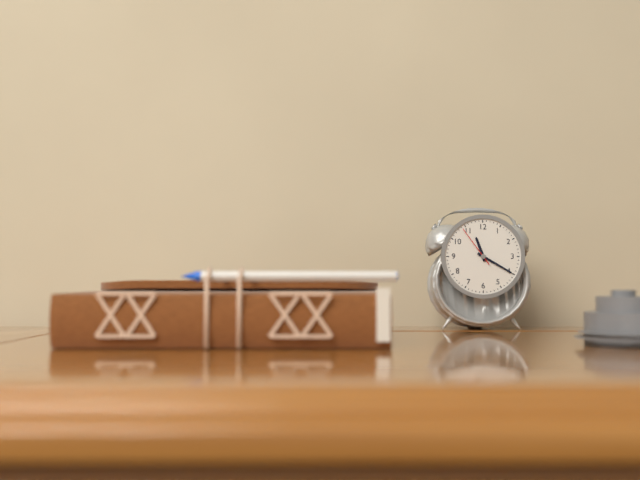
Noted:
11:20
